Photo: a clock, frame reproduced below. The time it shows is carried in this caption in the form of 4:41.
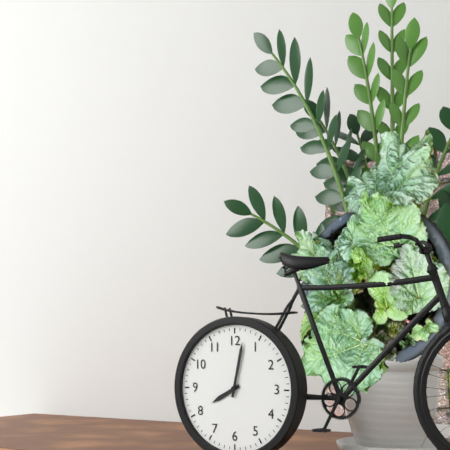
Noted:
8:02
